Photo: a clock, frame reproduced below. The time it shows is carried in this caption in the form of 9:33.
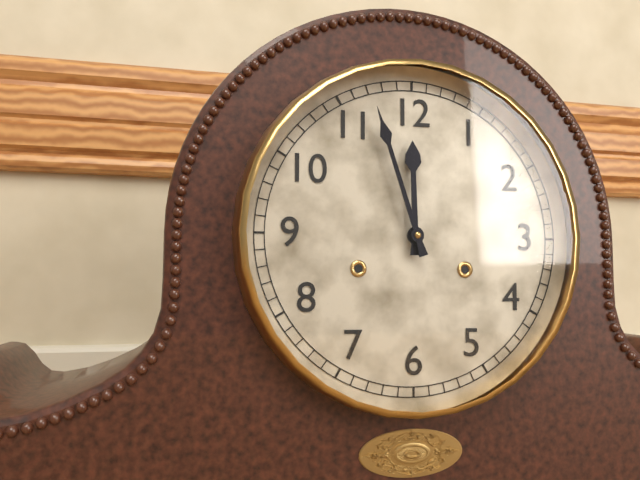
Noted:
11:57
